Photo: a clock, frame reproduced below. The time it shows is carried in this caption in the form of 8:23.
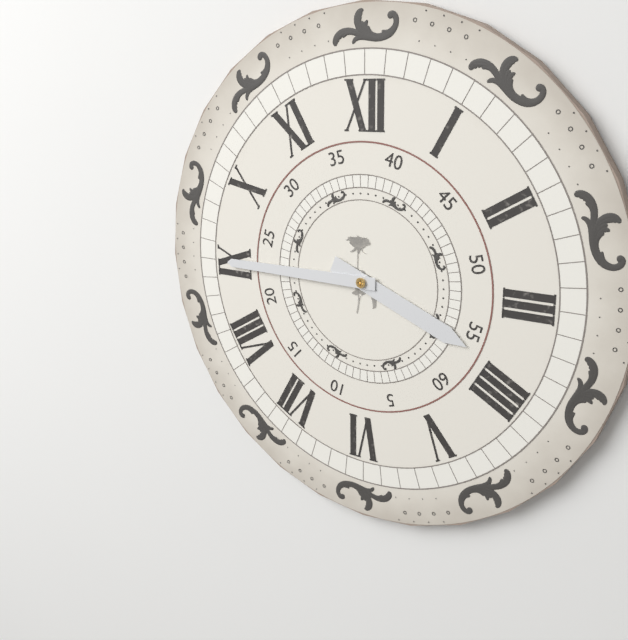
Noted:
3:45
